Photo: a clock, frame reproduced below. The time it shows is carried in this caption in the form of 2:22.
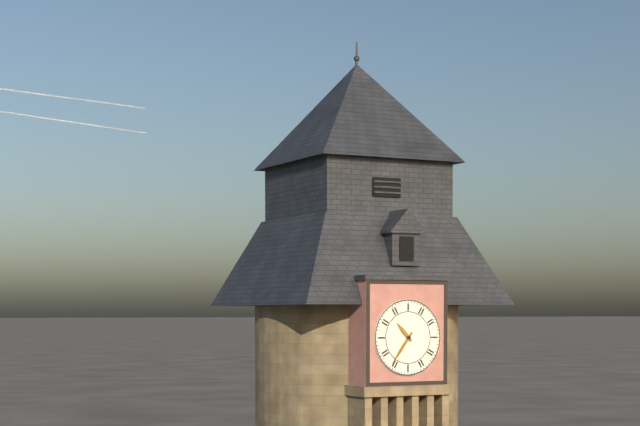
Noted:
10:36
